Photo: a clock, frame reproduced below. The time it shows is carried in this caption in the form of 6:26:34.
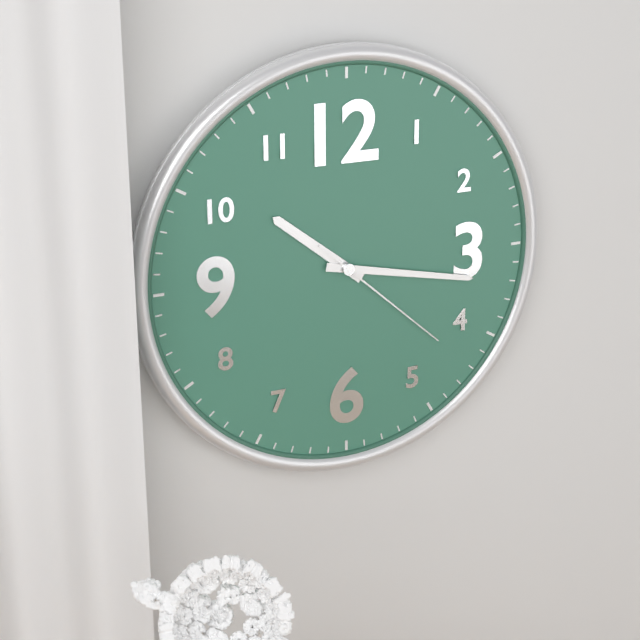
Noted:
10:17:22
